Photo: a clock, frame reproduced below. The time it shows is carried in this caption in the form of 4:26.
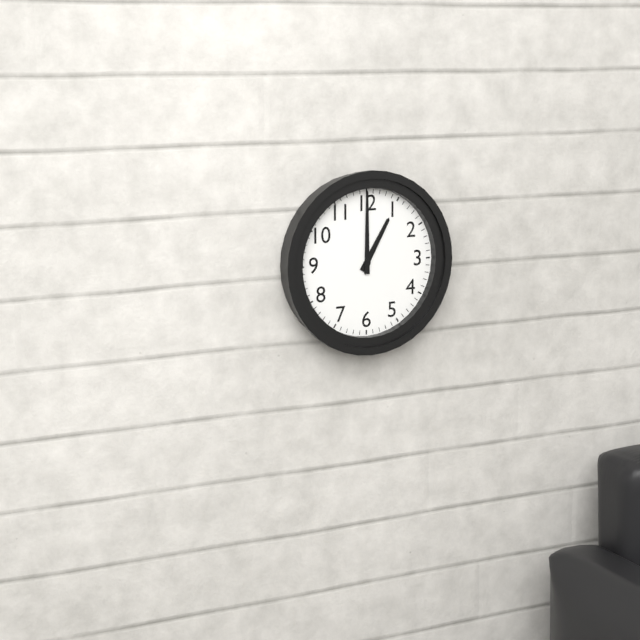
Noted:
1:00
